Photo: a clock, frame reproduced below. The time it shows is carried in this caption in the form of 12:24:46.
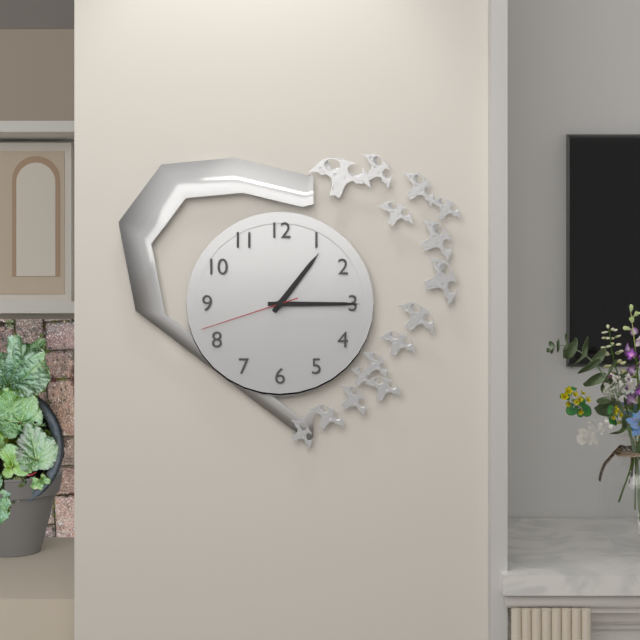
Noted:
1:15:42
